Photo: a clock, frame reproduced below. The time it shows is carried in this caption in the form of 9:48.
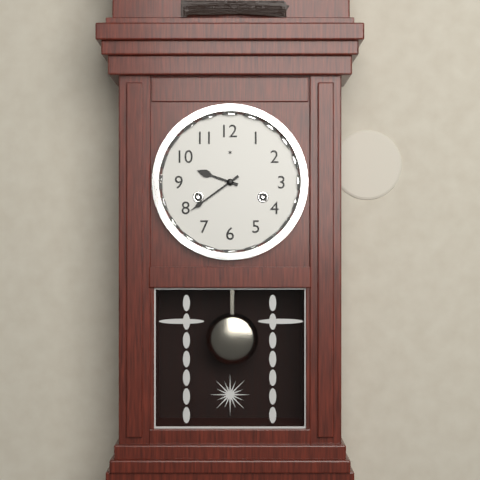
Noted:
9:39
